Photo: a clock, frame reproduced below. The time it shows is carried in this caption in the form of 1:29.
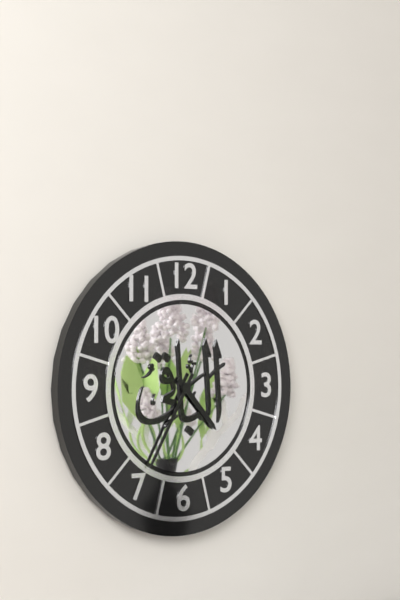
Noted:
4:35
